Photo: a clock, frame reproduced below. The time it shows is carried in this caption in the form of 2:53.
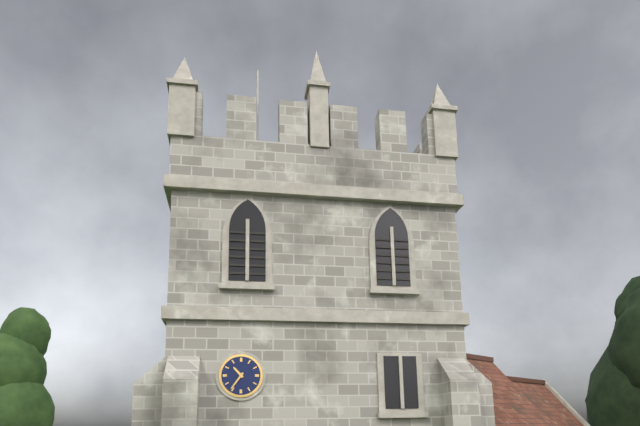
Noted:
10:36
